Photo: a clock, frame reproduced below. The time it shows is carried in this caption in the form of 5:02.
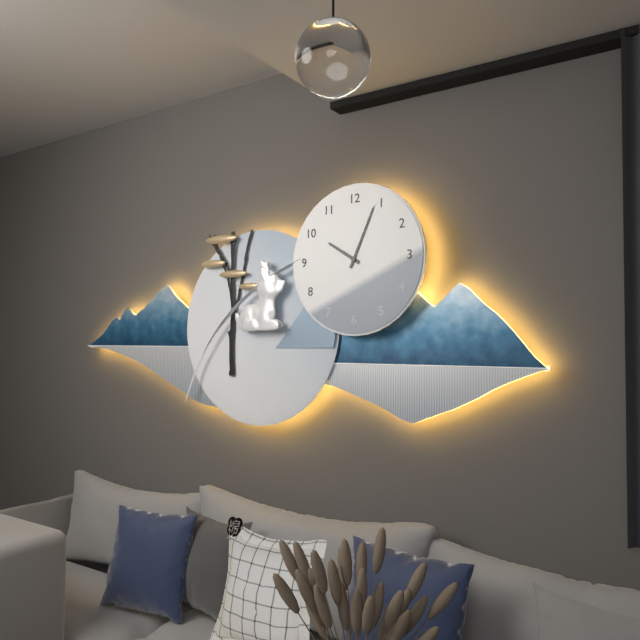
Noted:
10:04
